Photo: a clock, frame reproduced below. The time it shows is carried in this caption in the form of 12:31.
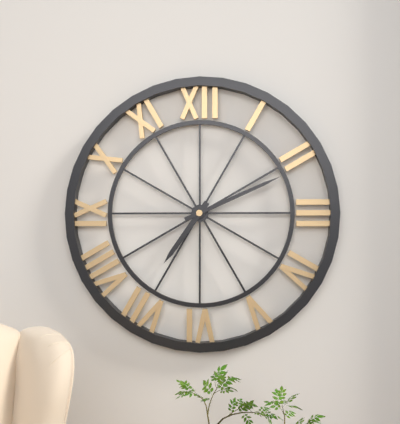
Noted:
7:11
